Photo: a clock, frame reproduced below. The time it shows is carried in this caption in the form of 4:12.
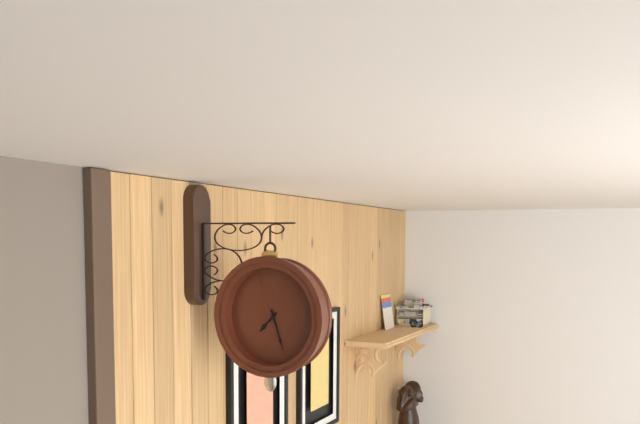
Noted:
7:27
